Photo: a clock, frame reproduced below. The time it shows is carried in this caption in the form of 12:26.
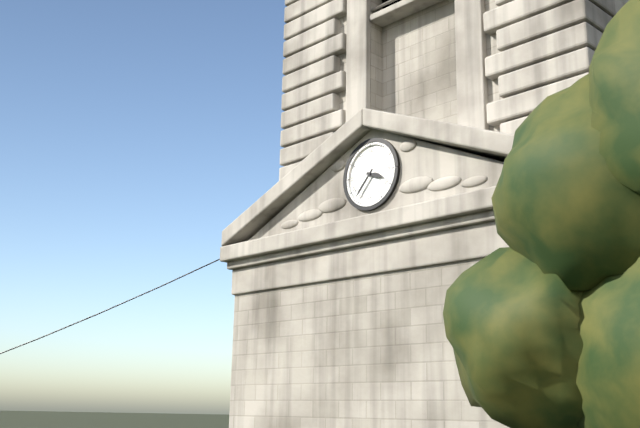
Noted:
3:37
